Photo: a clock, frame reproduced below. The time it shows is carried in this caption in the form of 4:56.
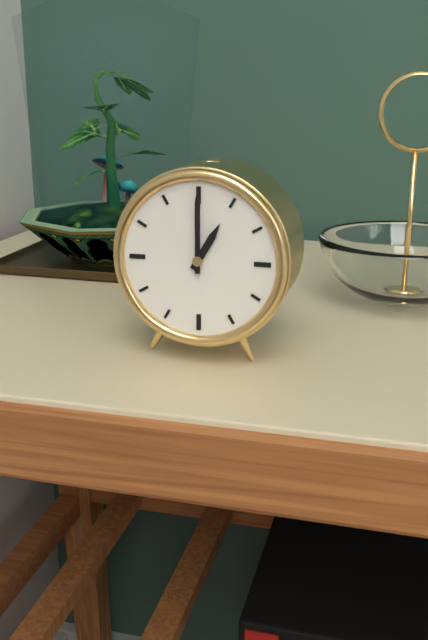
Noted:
1:00
